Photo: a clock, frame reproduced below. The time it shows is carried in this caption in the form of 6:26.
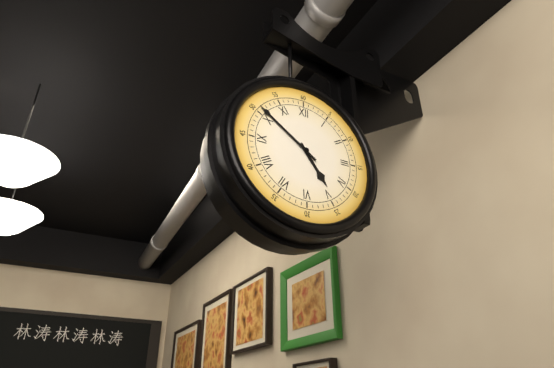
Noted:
4:51
